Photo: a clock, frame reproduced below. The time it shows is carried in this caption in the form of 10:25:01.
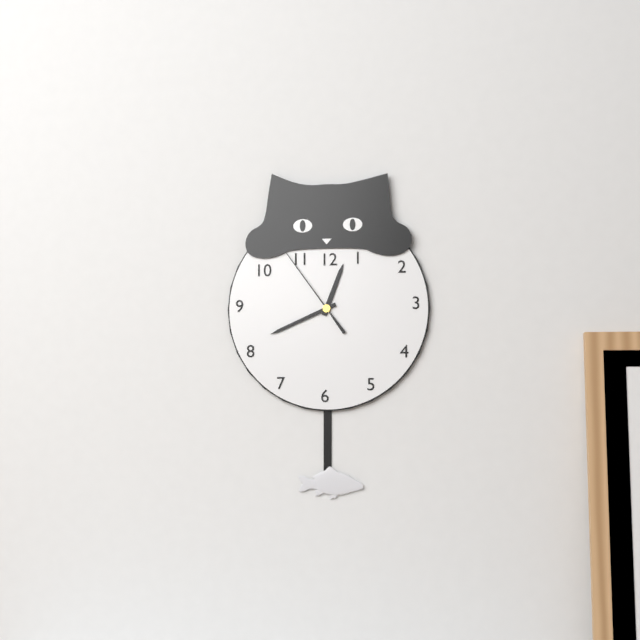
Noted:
12:41:54
